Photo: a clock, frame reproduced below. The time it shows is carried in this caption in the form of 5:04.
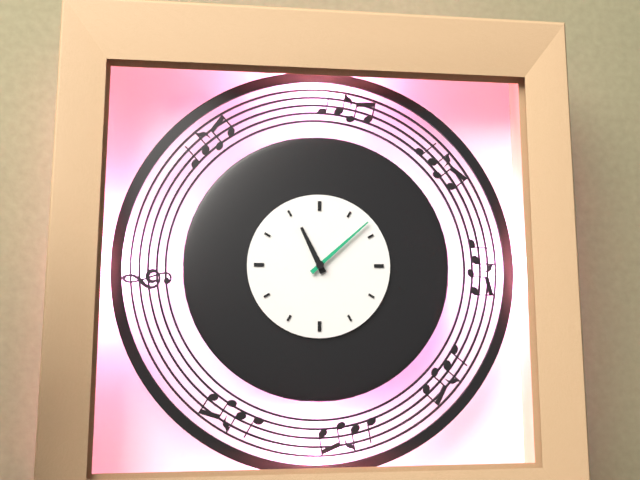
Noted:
11:08
